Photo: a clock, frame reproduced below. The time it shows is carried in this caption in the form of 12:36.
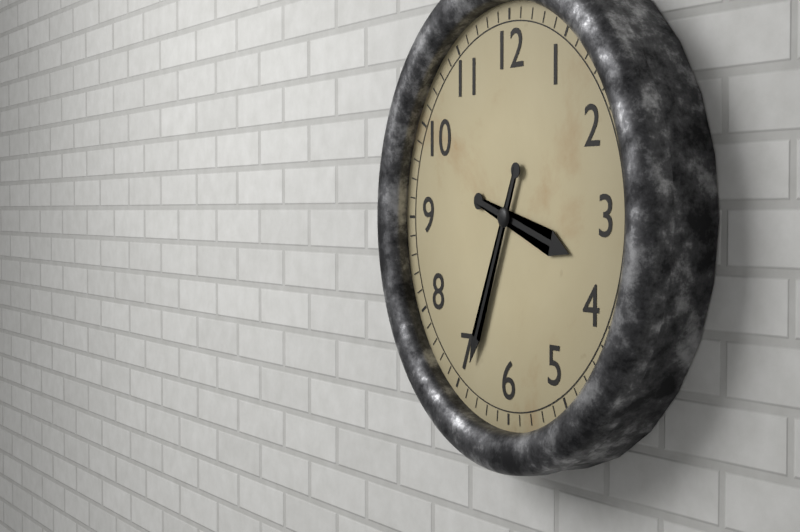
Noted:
3:34
